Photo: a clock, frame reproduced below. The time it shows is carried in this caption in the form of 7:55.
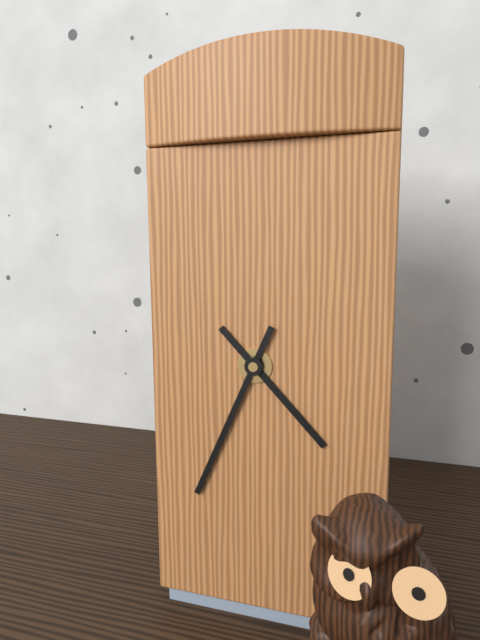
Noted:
4:34
